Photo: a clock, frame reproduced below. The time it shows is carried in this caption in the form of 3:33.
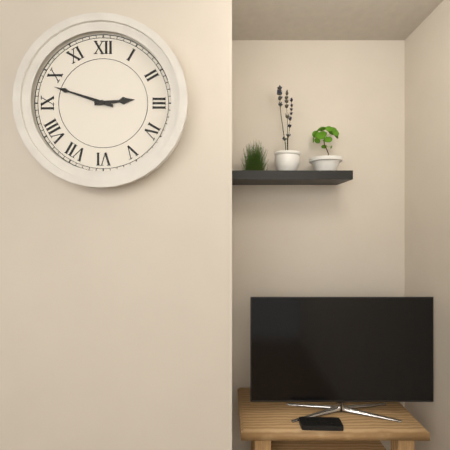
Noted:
2:48
